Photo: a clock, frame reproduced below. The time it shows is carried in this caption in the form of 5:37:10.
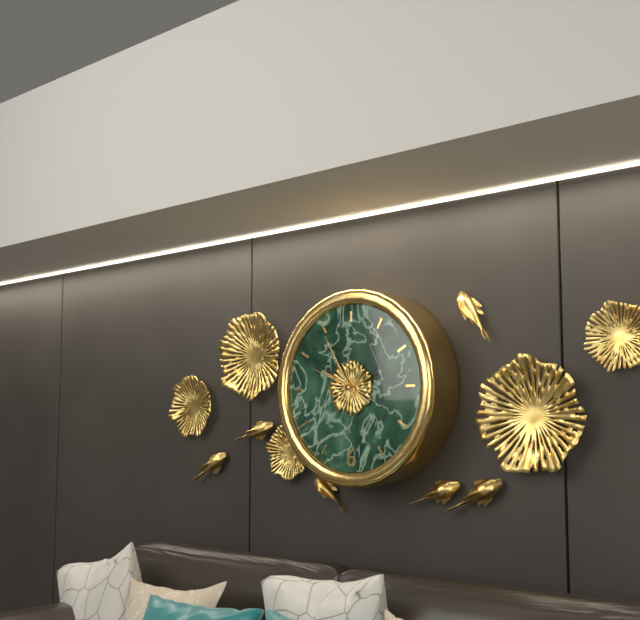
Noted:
9:55:49
